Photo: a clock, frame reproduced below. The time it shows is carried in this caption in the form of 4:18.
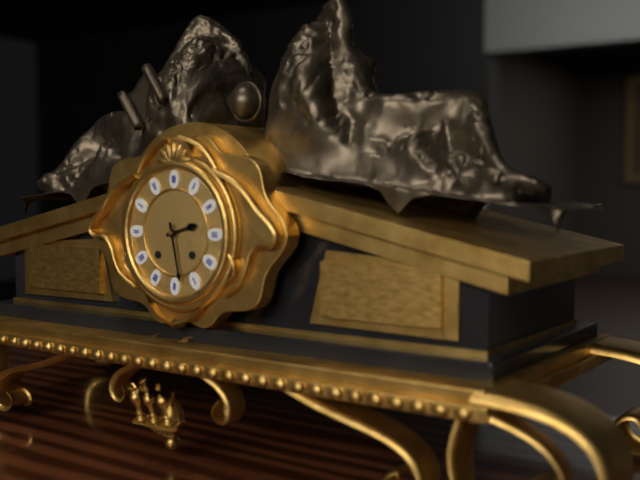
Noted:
2:28
